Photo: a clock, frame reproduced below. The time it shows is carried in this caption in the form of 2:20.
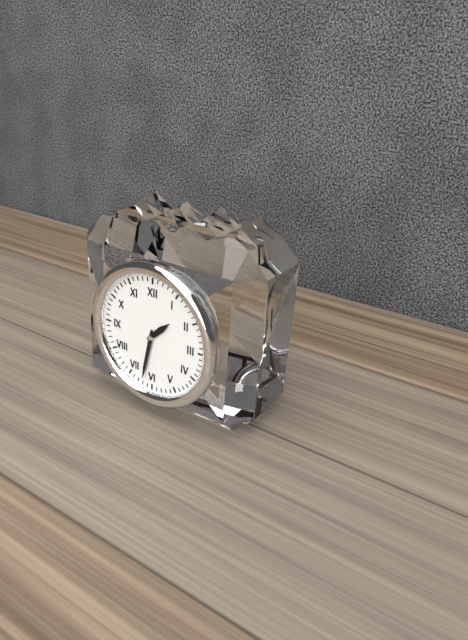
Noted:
1:32
